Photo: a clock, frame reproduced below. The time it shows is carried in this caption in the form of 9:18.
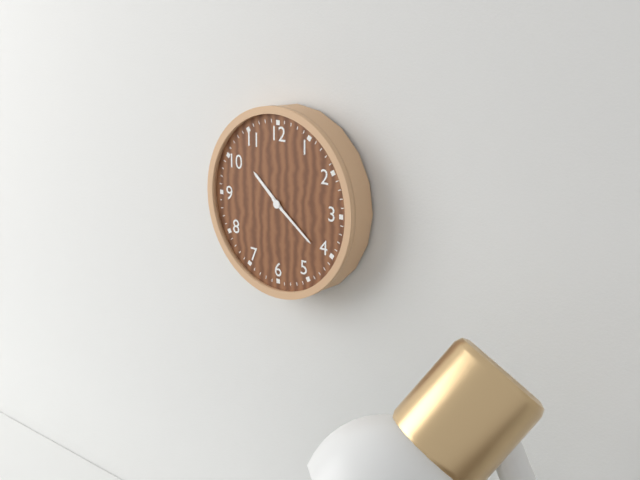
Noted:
10:21
